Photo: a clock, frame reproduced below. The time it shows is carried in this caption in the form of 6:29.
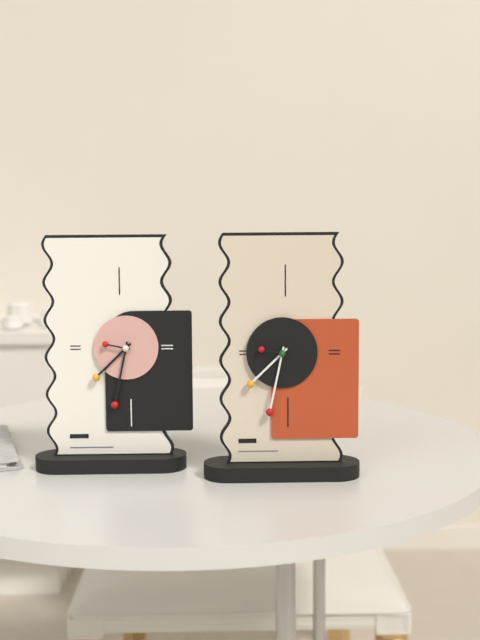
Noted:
7:32
